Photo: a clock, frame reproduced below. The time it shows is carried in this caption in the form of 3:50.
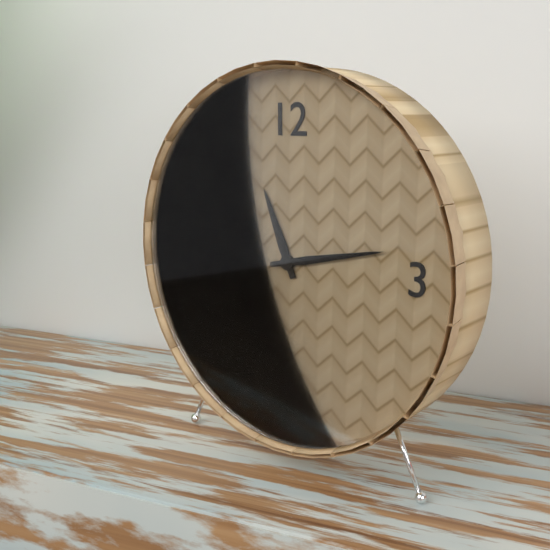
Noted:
11:13
